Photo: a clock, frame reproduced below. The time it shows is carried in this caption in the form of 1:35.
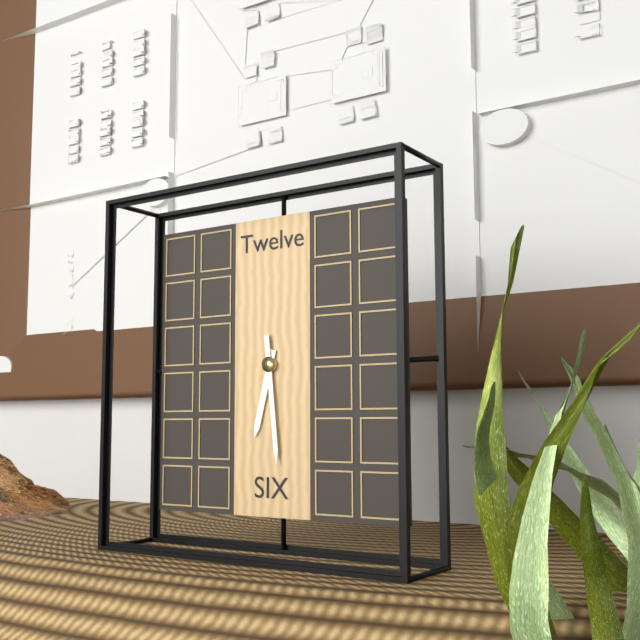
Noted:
6:29
